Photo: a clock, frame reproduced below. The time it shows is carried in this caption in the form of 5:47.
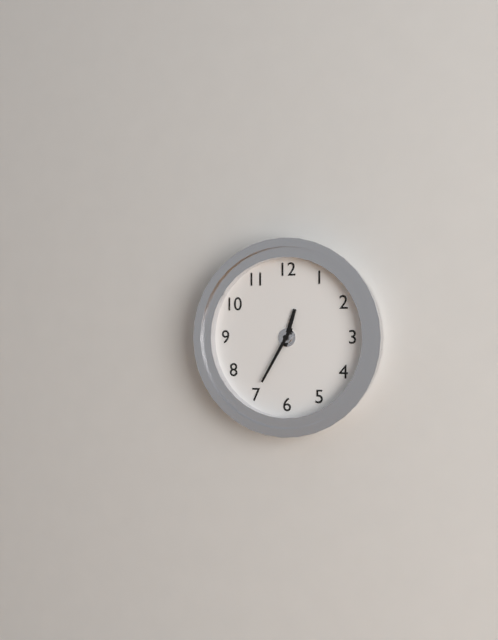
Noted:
12:35
